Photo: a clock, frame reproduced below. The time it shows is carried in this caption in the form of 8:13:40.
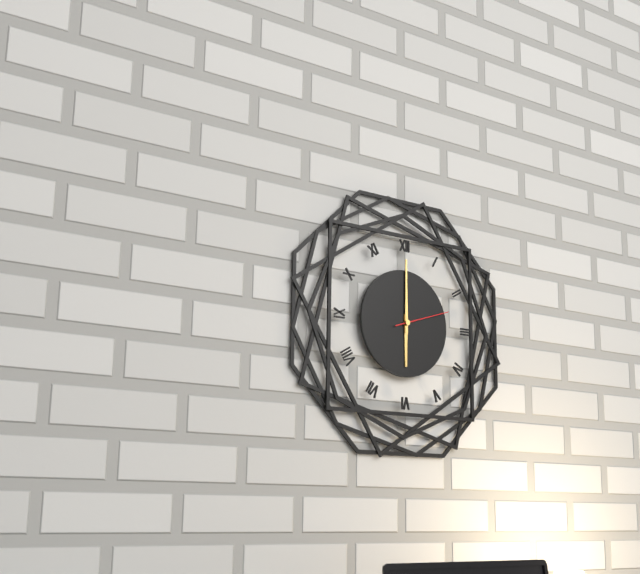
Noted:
6:00:12
